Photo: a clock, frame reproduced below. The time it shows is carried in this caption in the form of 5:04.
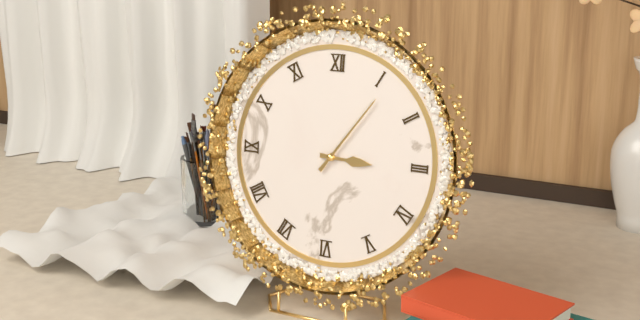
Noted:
3:06
